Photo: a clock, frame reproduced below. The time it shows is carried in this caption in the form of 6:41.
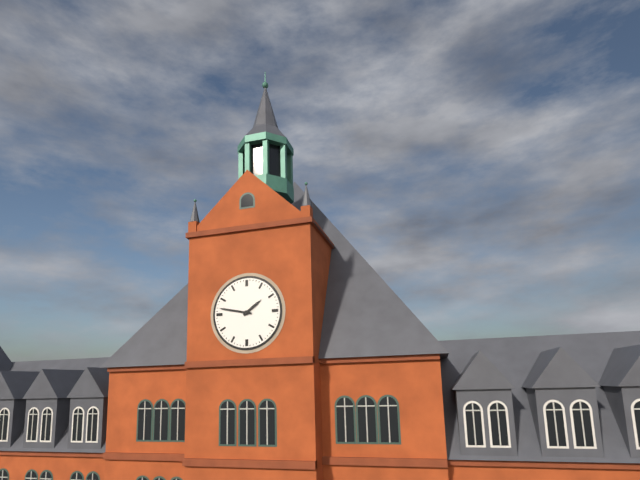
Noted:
1:47
